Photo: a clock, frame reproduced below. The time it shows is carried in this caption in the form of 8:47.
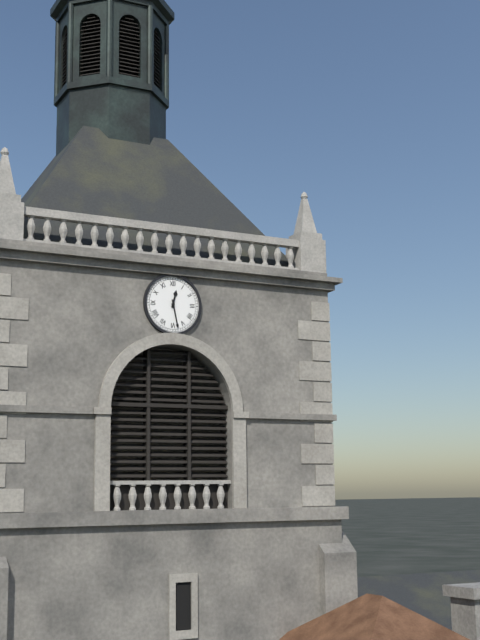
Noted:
12:28
